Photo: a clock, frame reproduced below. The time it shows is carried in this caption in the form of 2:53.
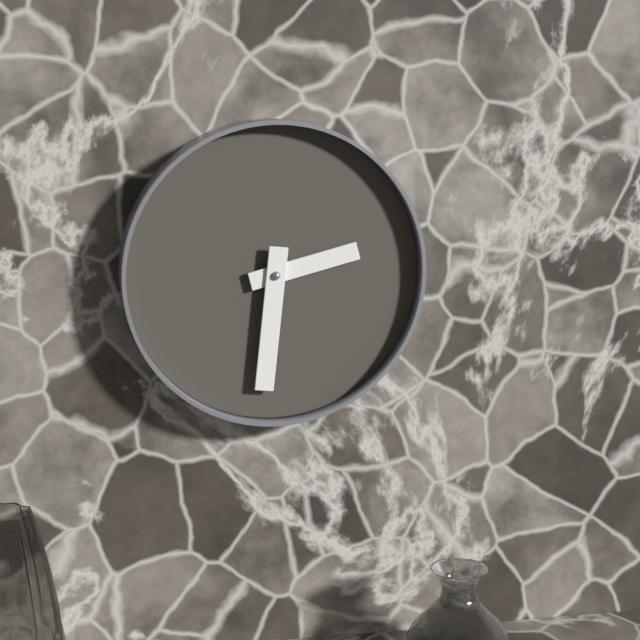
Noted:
2:31
